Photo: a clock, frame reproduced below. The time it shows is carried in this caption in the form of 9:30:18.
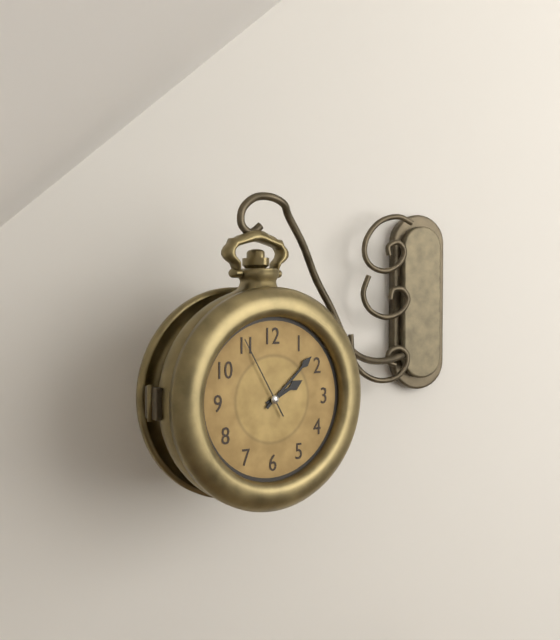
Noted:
2:08:55
